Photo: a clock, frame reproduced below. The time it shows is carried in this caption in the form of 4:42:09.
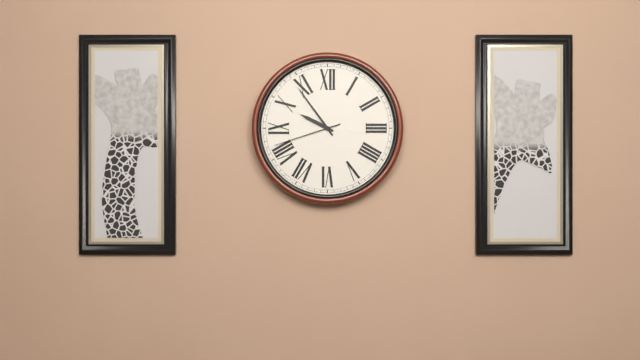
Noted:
9:54:42
